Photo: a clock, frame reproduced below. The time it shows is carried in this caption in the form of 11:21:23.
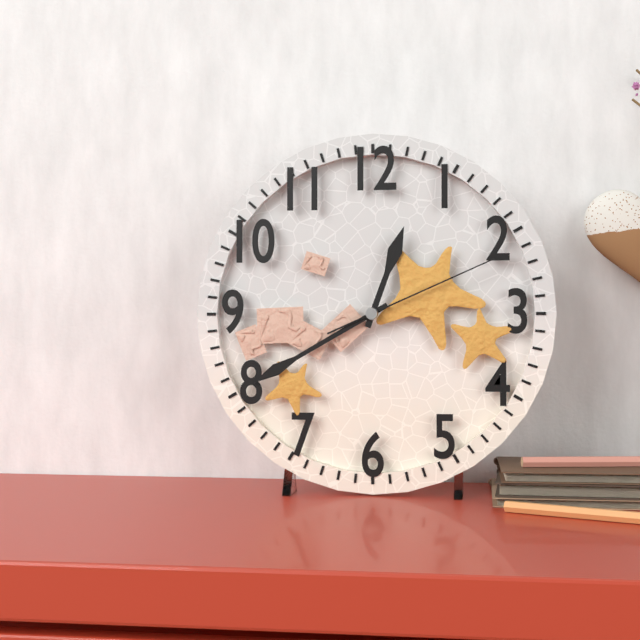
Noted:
12:40:11
